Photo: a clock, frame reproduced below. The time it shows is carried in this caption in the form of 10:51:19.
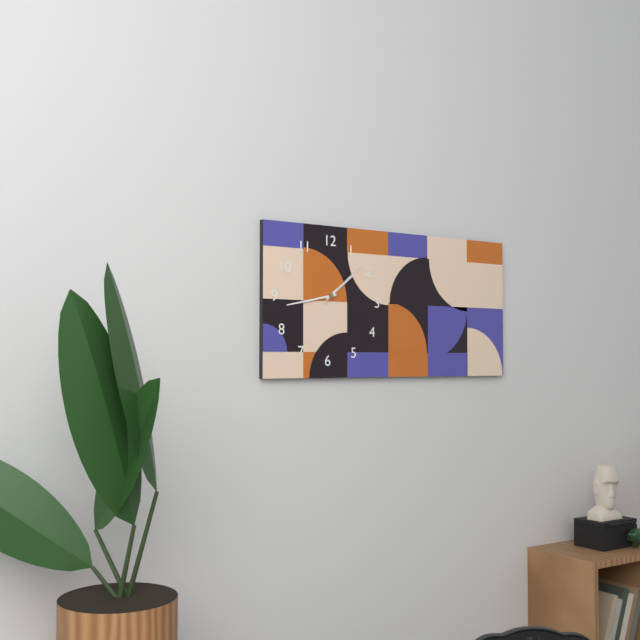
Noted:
1:43:08
